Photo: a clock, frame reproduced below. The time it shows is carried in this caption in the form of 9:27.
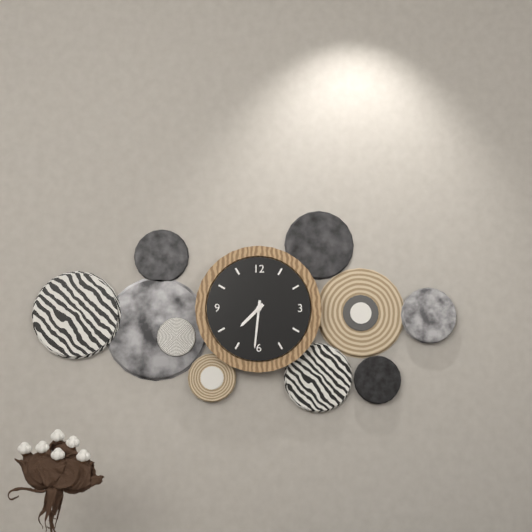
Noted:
7:31
